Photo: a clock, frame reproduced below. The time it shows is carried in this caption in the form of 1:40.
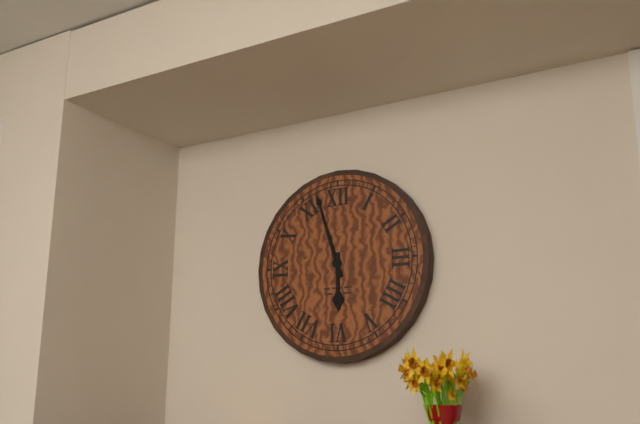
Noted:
5:57
